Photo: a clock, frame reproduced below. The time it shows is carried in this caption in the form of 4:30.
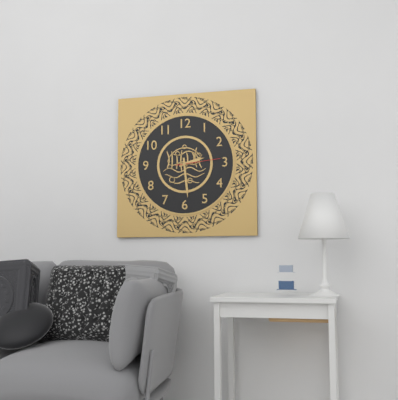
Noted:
2:29
